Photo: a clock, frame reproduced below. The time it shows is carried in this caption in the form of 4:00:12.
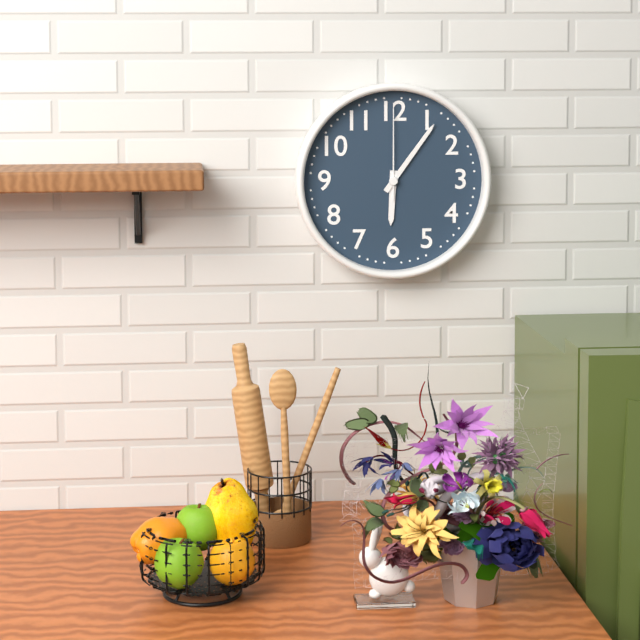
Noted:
6:06:00
